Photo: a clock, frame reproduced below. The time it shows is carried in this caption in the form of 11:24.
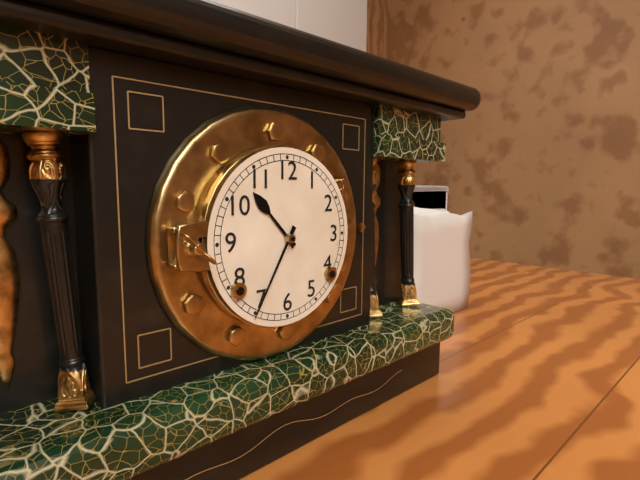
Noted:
10:35
